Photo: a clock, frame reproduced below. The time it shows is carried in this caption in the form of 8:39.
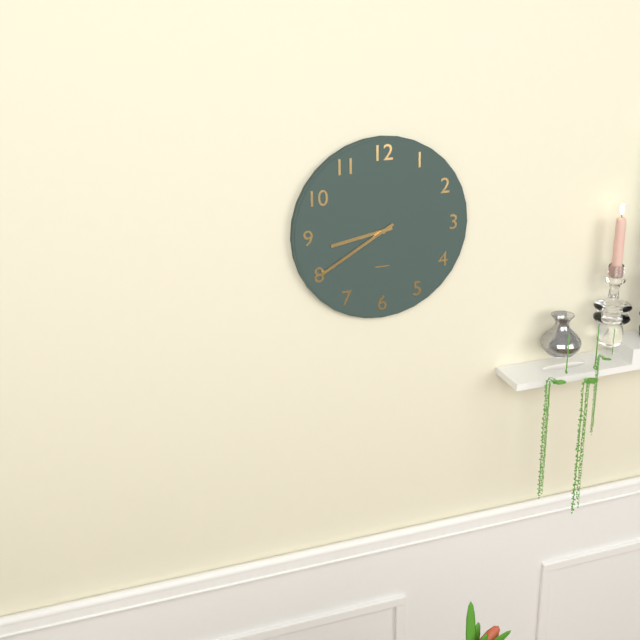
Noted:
8:40
